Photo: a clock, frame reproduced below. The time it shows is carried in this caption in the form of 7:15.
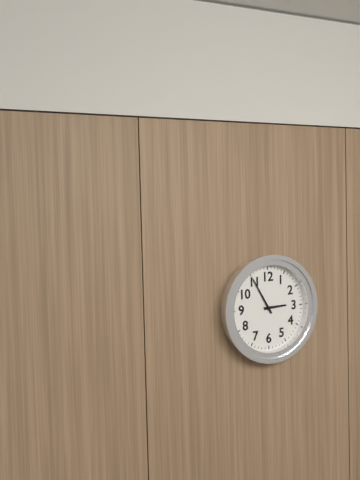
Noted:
2:55
